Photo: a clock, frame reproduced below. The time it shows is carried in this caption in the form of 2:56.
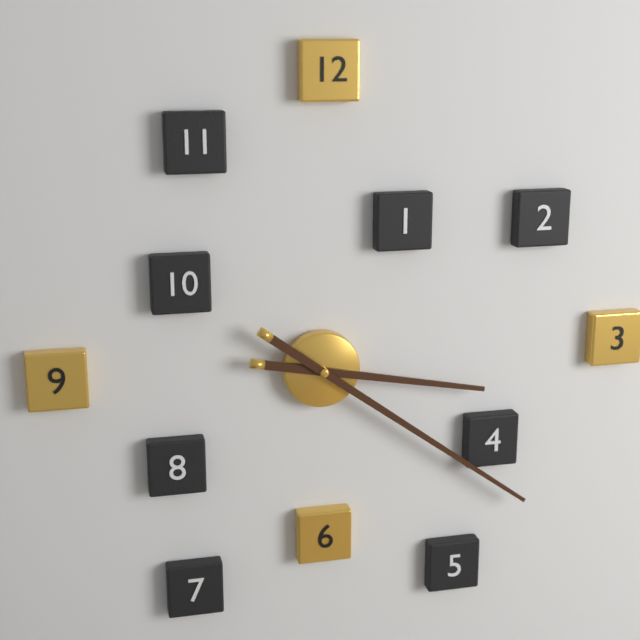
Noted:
3:21
